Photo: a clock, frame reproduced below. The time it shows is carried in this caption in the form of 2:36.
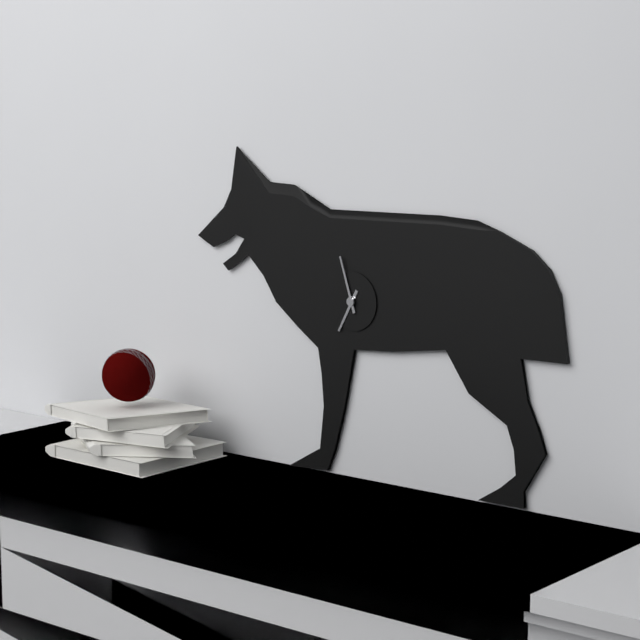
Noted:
6:57
